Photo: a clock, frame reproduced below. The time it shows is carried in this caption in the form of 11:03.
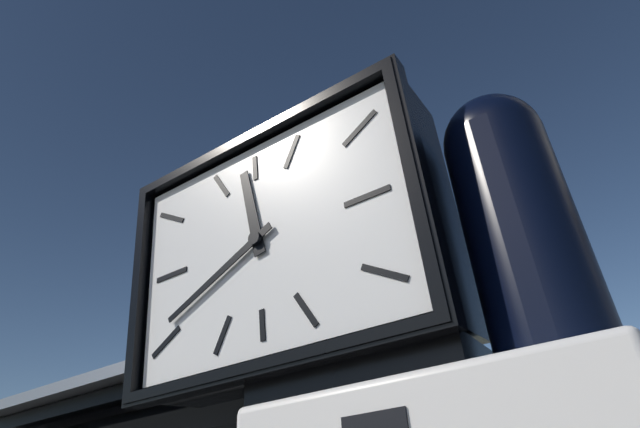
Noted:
11:41
